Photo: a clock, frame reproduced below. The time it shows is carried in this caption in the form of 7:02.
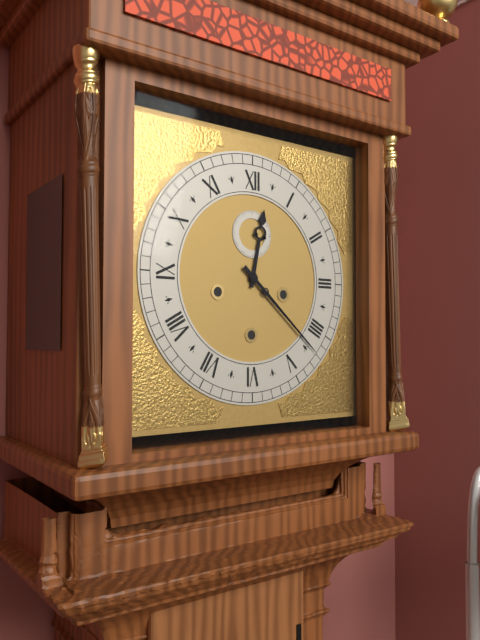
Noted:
12:22
